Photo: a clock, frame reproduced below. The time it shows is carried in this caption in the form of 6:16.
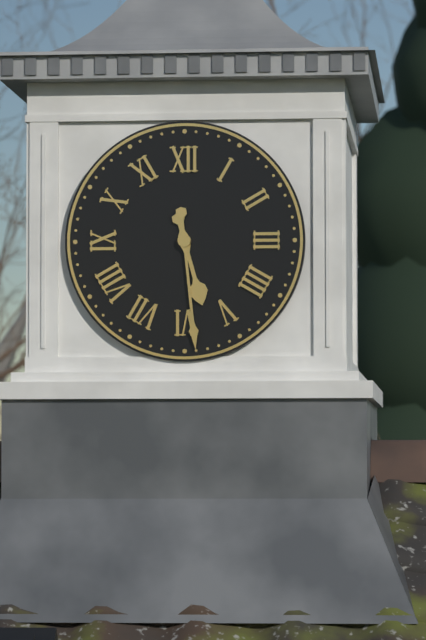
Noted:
5:29
